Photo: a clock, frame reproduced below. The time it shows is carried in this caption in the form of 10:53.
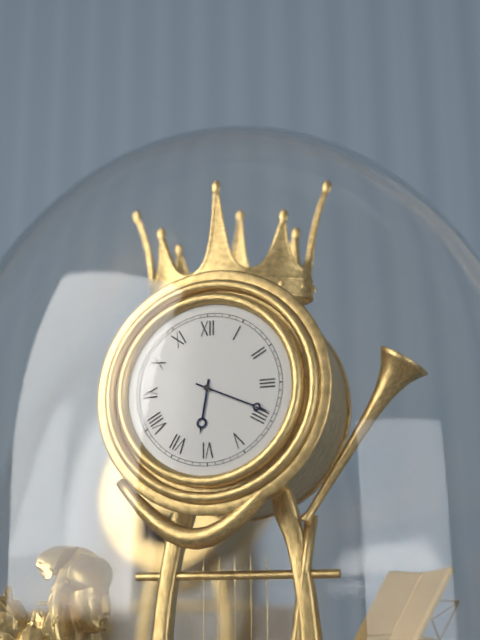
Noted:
6:19
